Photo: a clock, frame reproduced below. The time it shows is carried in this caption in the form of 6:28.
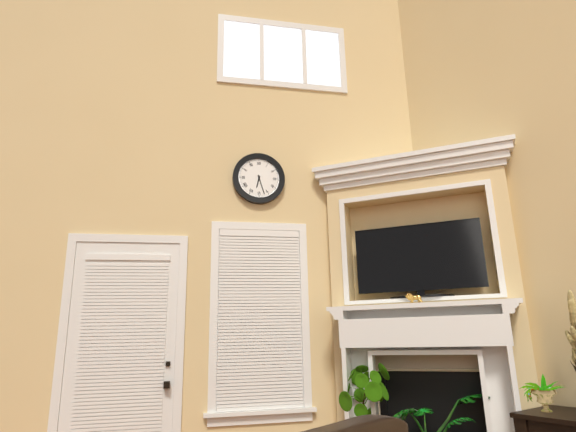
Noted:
6:27
